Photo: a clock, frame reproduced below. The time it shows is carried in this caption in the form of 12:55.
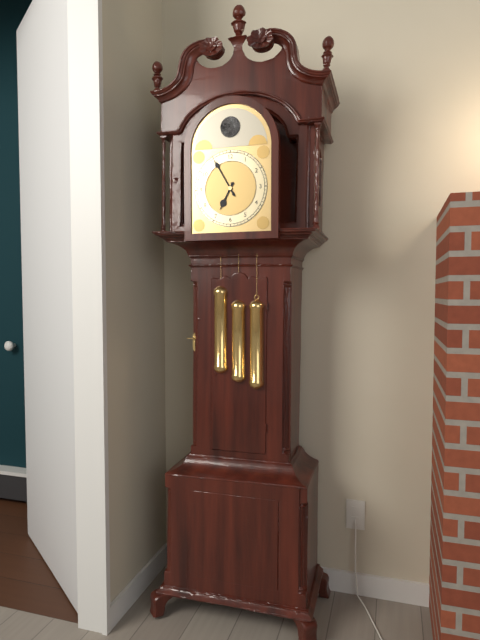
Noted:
6:55
